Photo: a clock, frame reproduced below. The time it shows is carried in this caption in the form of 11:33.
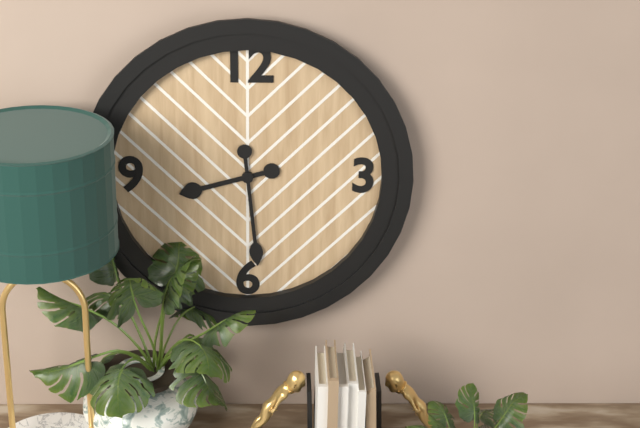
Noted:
8:29
